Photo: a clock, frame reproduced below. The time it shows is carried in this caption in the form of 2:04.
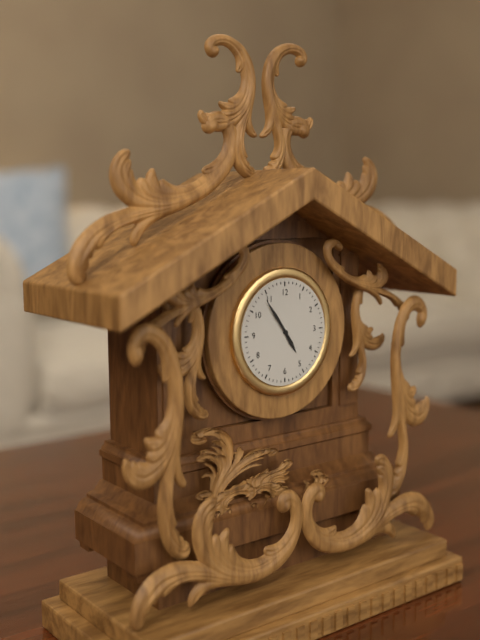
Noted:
4:54
